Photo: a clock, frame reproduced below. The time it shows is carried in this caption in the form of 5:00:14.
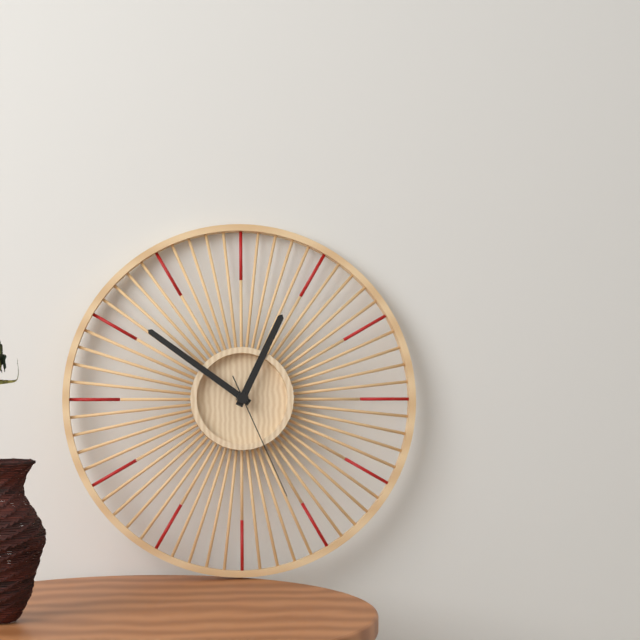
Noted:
12:51:26
